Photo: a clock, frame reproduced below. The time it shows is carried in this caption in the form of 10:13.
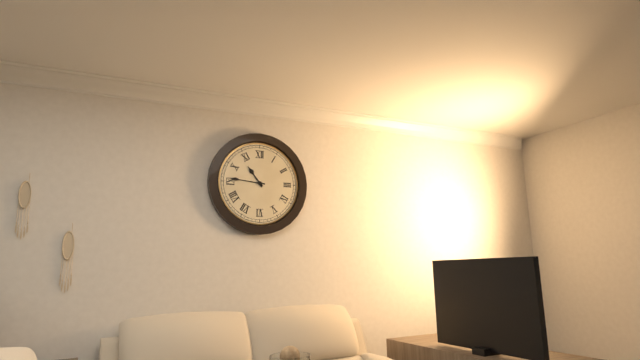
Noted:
10:46
